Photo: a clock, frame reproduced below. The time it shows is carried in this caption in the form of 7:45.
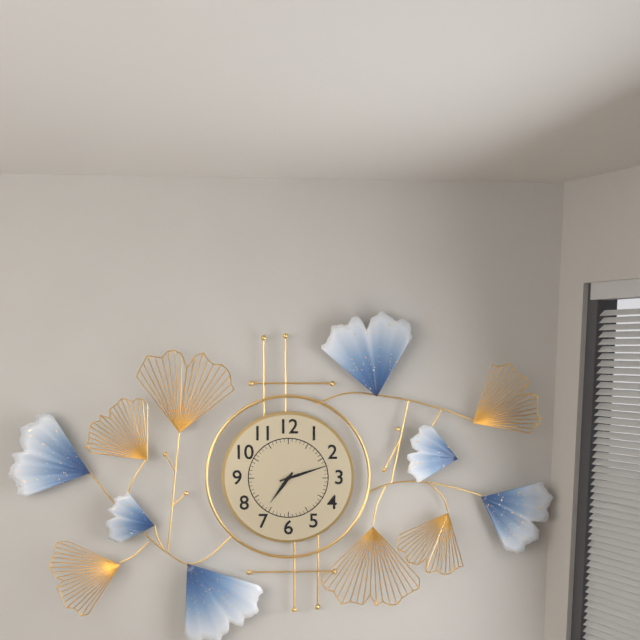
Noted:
7:12
